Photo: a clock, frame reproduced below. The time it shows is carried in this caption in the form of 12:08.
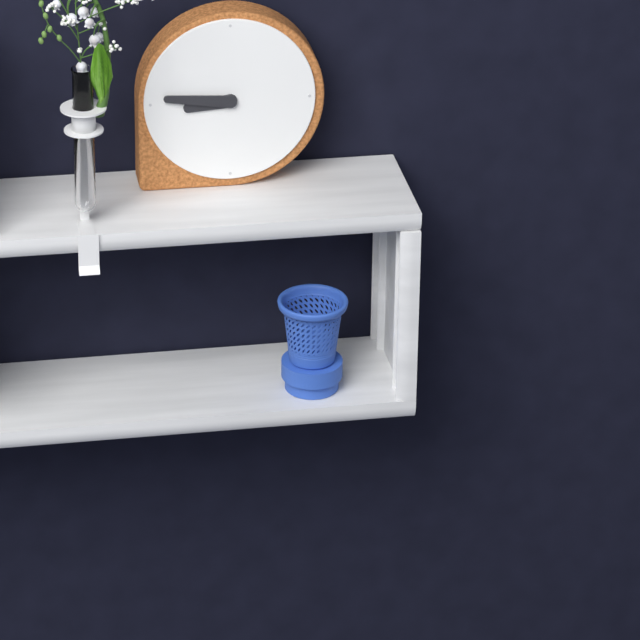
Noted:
8:46
